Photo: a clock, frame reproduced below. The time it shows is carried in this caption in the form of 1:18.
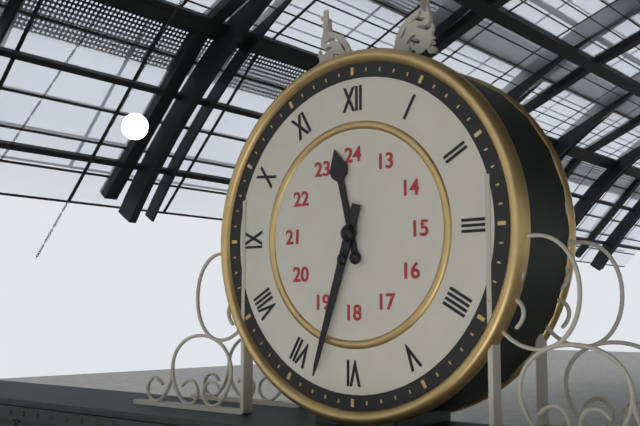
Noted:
11:33
